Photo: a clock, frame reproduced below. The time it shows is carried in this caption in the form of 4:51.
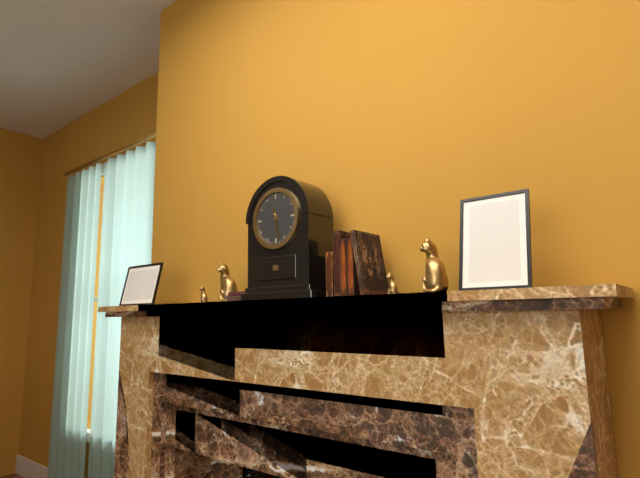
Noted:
11:28
